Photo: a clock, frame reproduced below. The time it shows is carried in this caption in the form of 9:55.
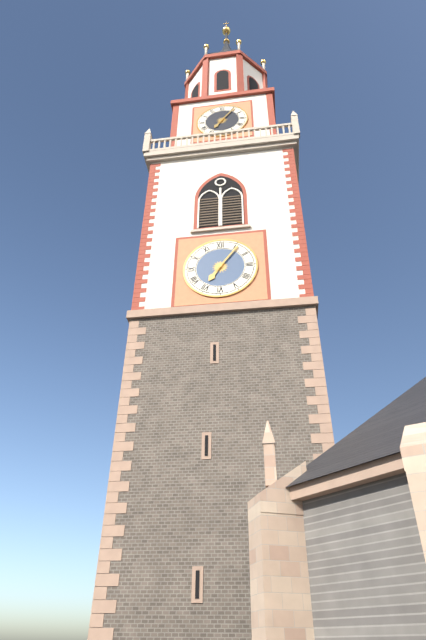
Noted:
7:06
